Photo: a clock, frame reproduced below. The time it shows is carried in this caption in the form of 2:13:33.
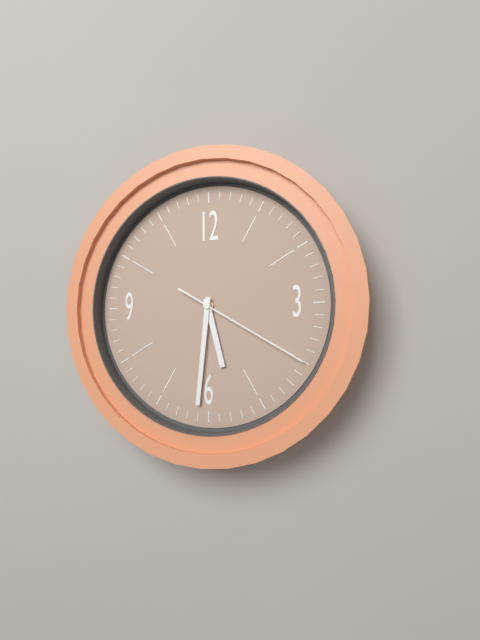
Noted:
5:31:20
